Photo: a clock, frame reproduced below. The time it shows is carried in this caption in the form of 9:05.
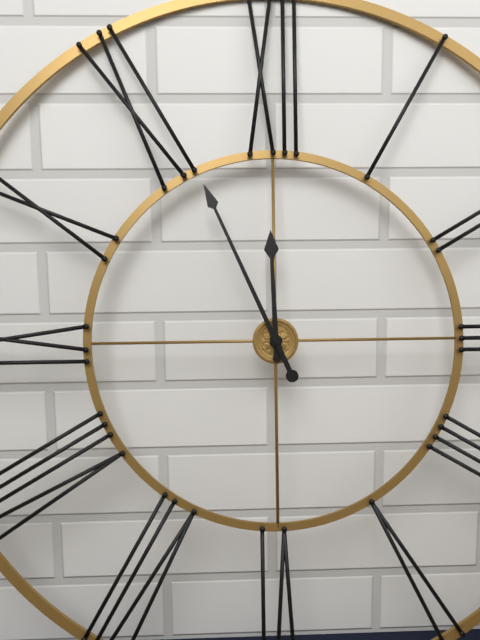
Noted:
11:56
